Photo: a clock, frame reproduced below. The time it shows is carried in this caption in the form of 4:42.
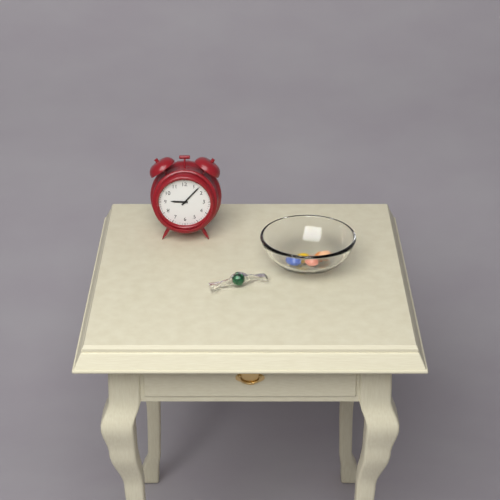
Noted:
9:07
